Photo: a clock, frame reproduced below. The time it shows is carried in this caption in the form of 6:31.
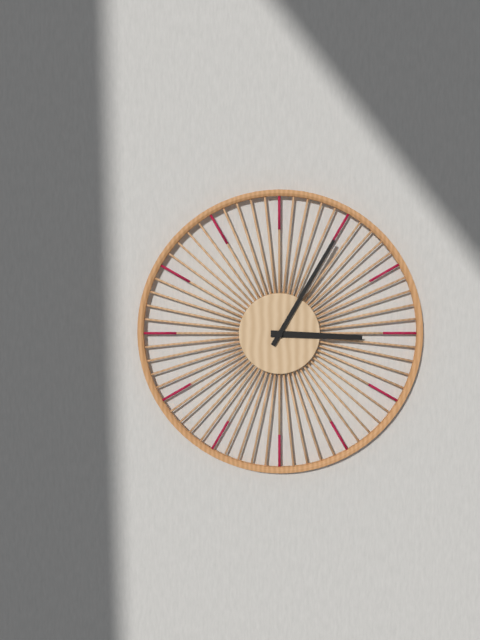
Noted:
3:05
